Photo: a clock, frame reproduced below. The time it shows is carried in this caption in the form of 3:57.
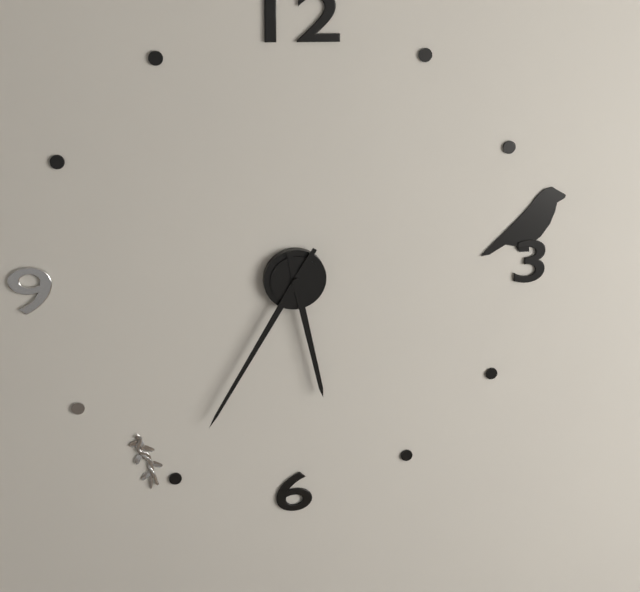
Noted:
5:35
